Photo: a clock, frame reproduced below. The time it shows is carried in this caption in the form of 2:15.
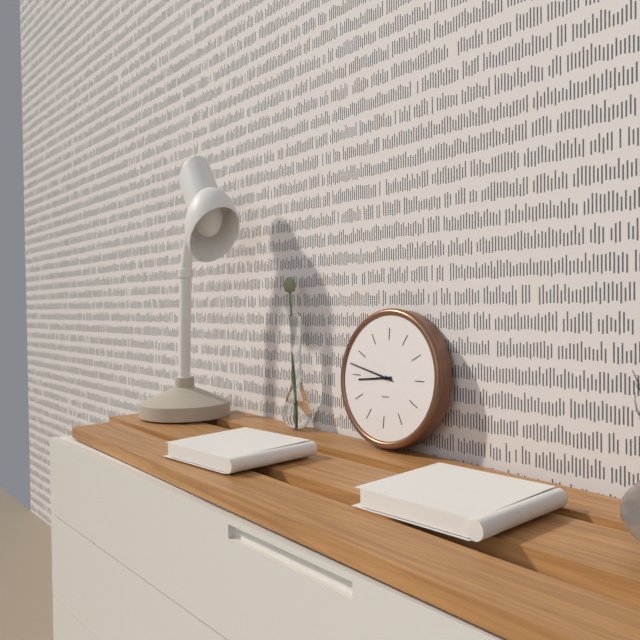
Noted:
8:47
